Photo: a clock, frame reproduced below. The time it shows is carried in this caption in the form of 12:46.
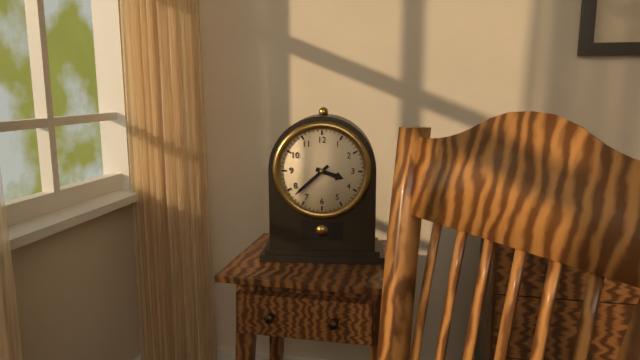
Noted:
3:38
